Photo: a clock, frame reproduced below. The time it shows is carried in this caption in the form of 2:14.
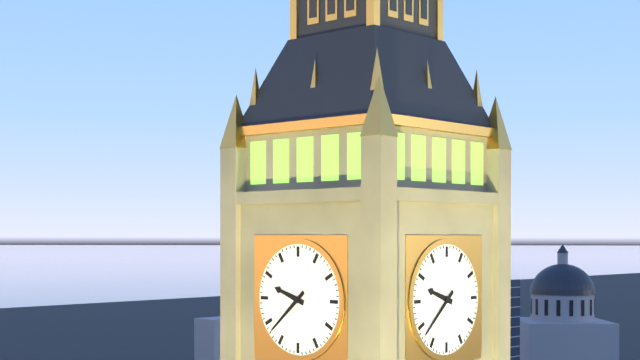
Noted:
9:38
